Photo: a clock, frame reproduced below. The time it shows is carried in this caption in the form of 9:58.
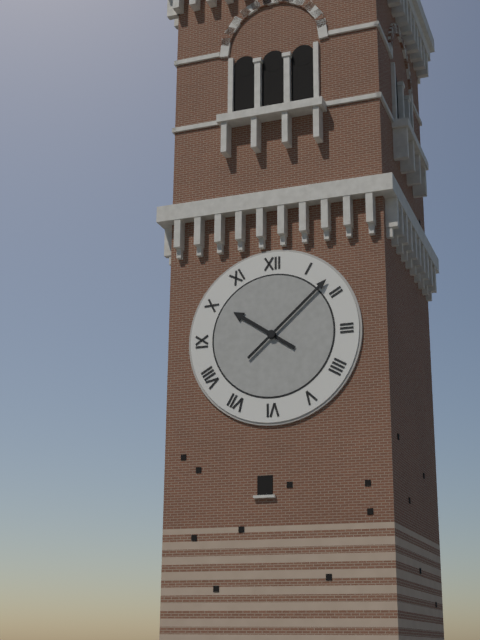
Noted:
10:08
